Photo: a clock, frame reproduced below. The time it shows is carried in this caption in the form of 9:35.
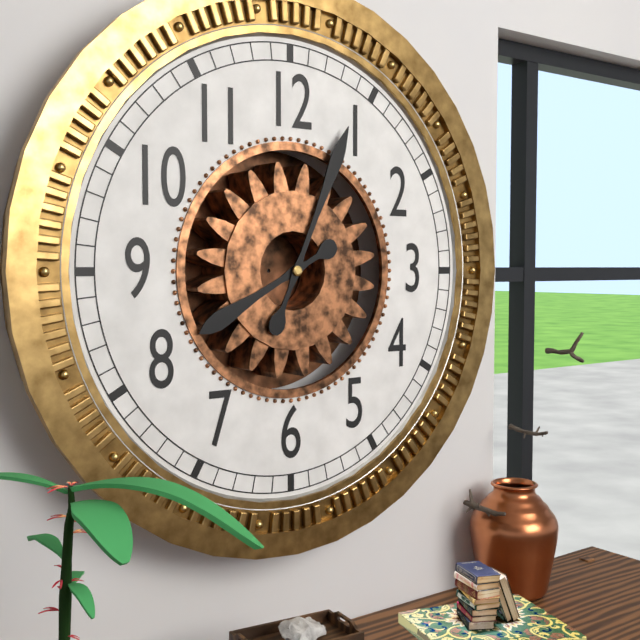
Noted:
8:04
